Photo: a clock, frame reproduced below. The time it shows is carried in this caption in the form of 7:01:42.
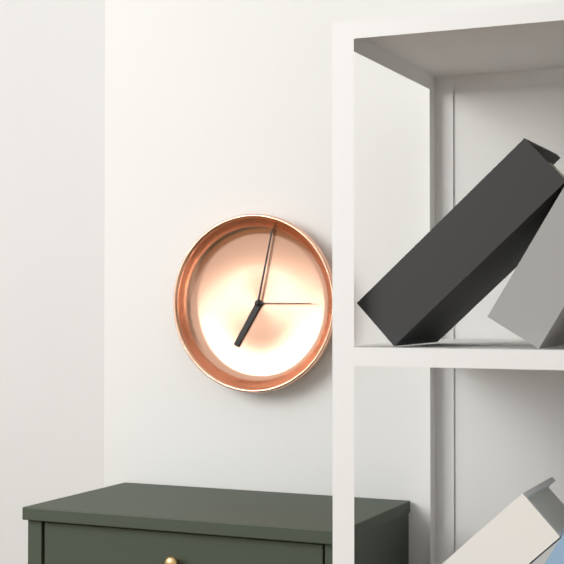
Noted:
7:02:15
